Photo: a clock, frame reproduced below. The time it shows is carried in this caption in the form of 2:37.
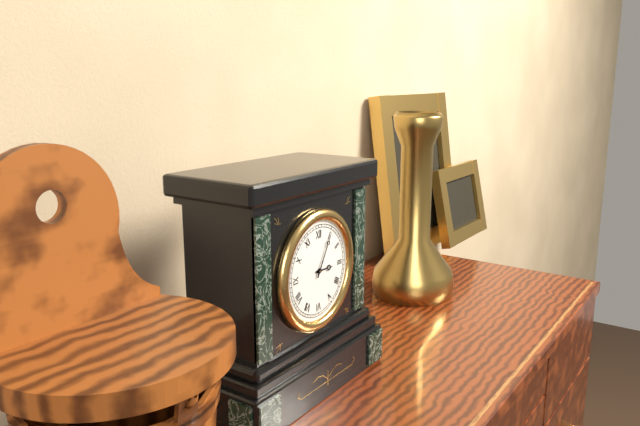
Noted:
3:05
